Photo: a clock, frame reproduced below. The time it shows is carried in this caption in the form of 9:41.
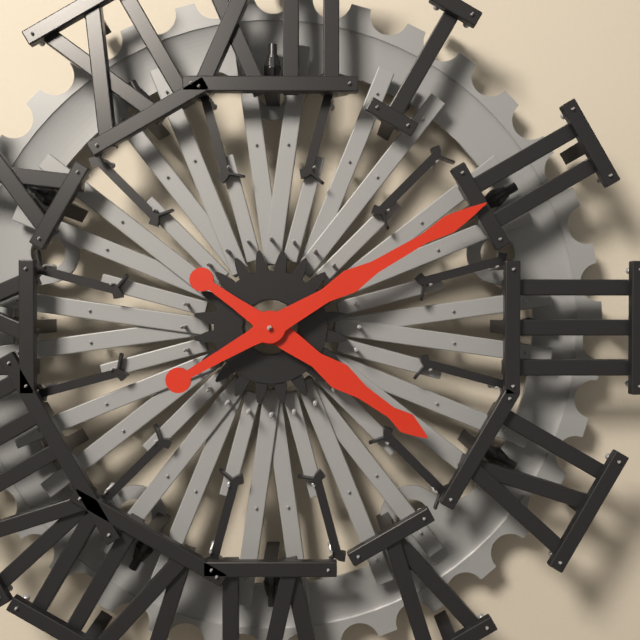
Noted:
4:10
